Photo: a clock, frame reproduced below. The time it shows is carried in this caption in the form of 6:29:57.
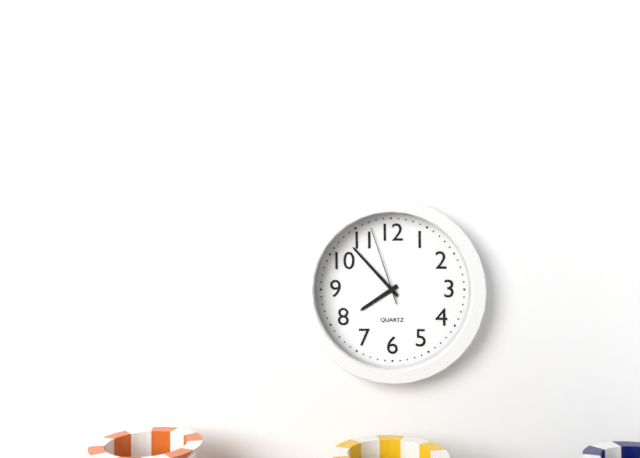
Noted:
7:53:57
